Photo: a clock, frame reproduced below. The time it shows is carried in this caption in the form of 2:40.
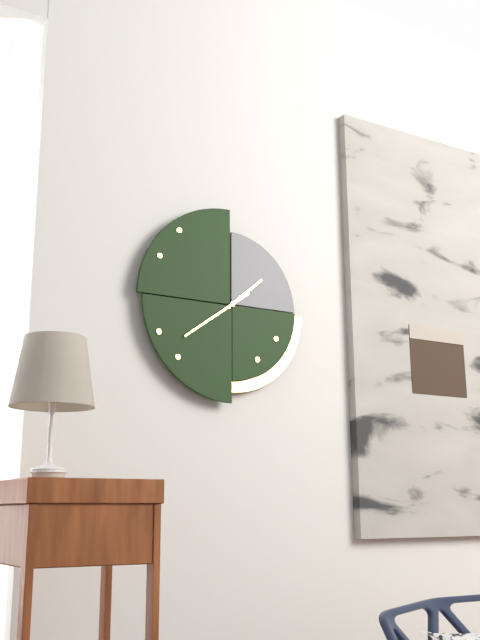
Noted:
1:39
